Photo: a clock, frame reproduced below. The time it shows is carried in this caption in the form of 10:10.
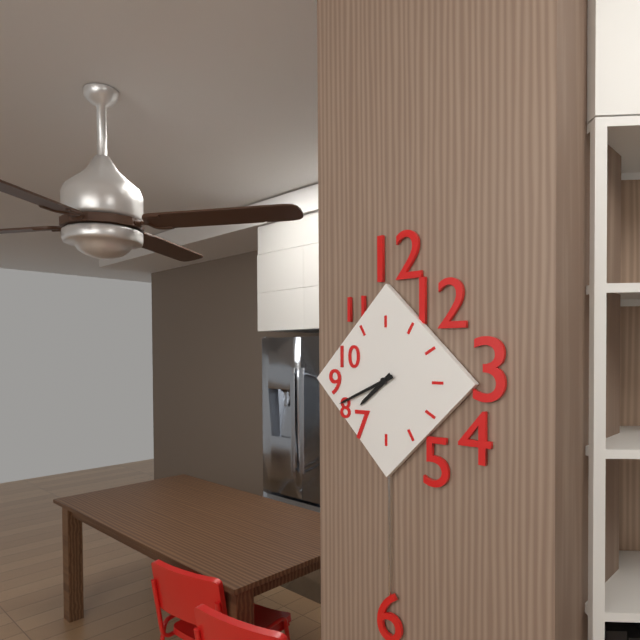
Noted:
7:41
